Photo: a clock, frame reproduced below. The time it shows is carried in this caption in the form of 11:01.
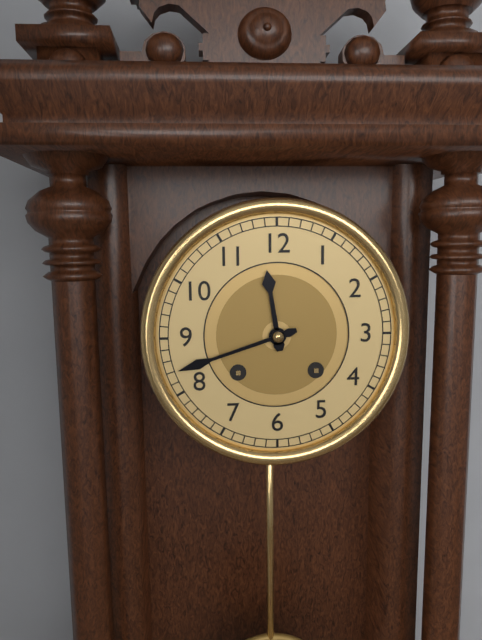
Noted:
11:42
